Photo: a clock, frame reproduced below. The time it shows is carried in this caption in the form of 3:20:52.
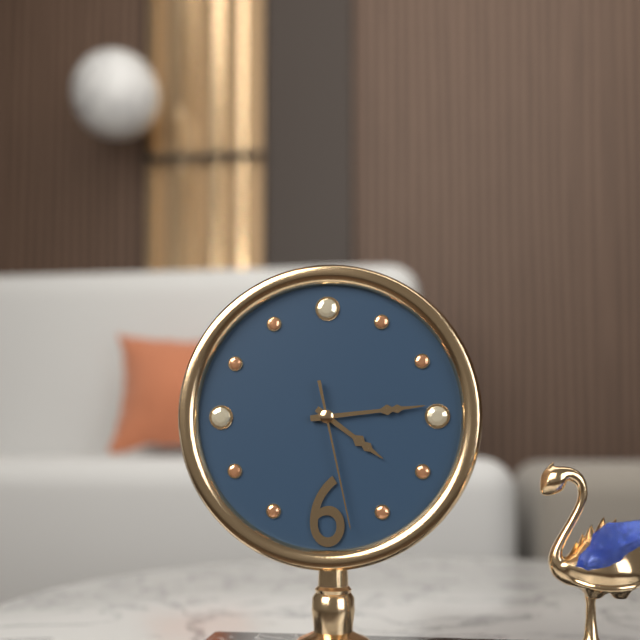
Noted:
4:14:28
